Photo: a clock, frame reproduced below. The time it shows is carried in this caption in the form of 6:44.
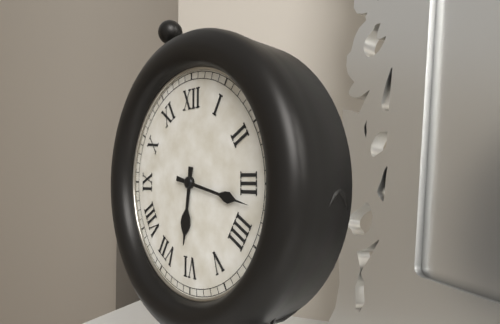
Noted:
6:17
